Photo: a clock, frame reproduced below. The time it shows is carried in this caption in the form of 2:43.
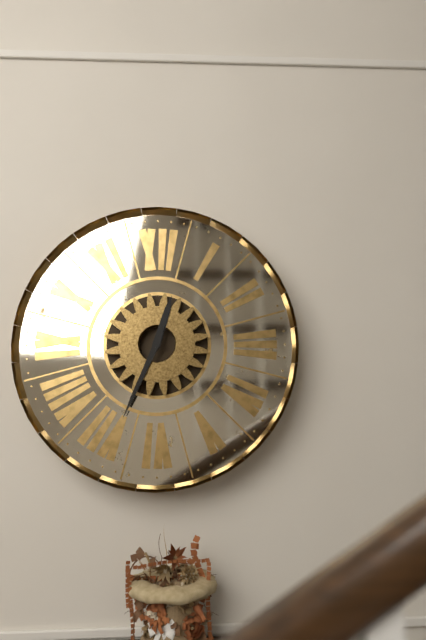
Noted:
12:34
